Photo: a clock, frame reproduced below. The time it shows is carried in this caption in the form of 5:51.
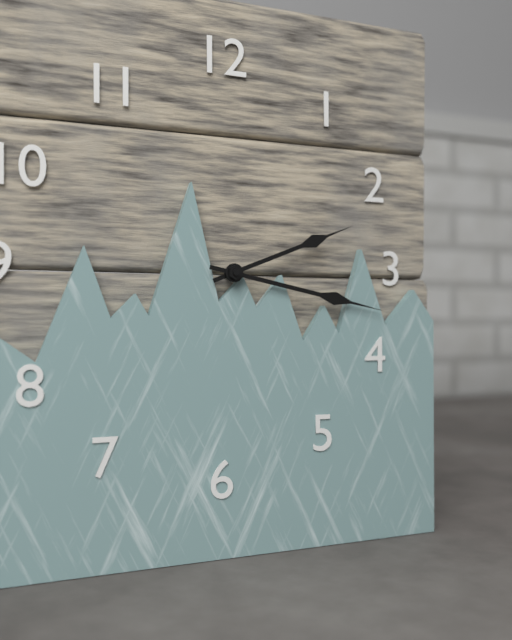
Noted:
2:17
